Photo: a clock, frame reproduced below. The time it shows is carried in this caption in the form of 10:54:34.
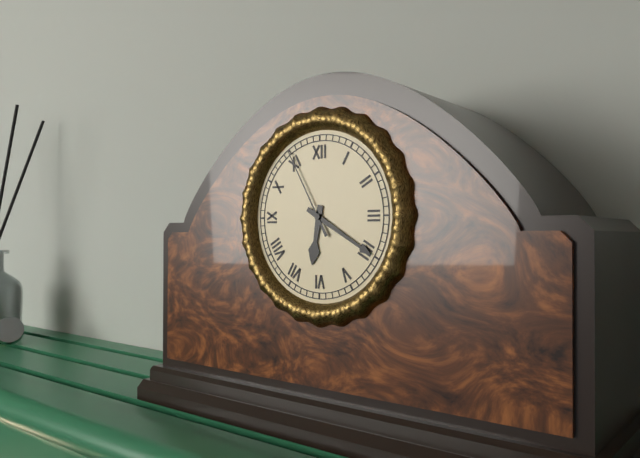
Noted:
6:20:55
